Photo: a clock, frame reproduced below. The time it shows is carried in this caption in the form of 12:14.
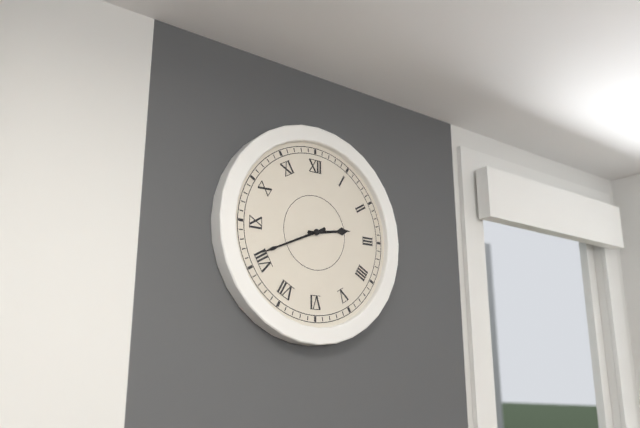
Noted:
2:41
